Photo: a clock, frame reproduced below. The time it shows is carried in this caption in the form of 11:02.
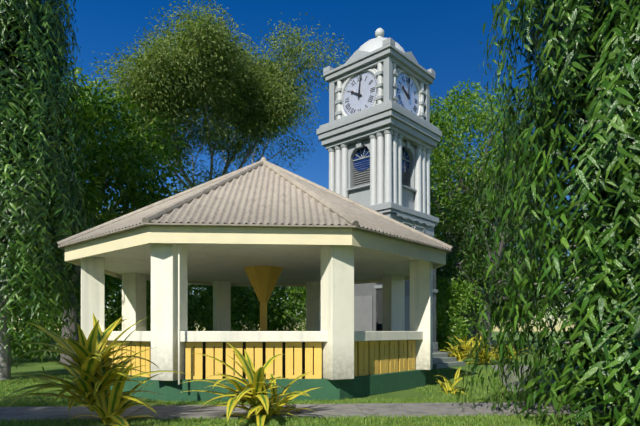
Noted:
10:01
